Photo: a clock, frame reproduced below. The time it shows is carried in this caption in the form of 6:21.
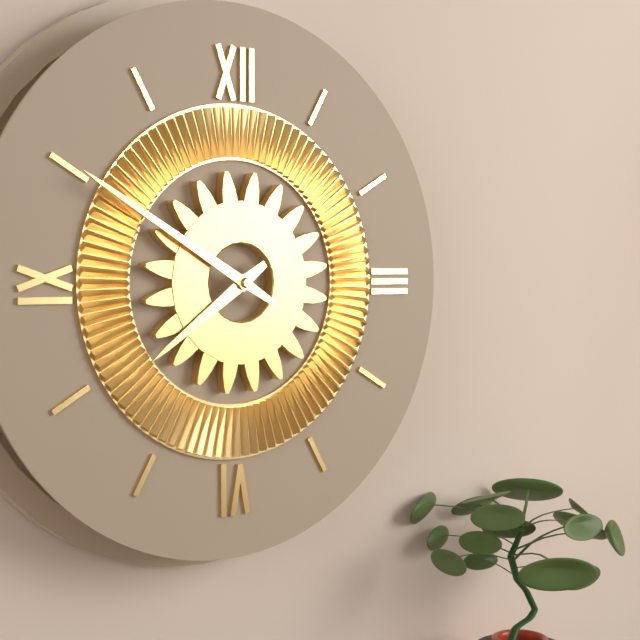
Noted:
7:50
